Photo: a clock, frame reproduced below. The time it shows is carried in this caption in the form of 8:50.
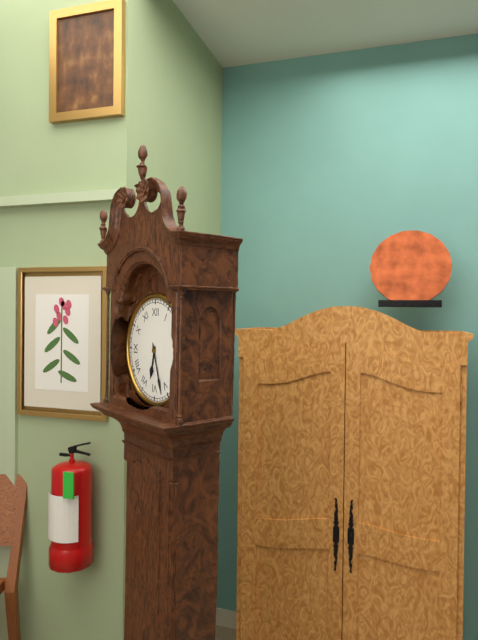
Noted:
6:27
